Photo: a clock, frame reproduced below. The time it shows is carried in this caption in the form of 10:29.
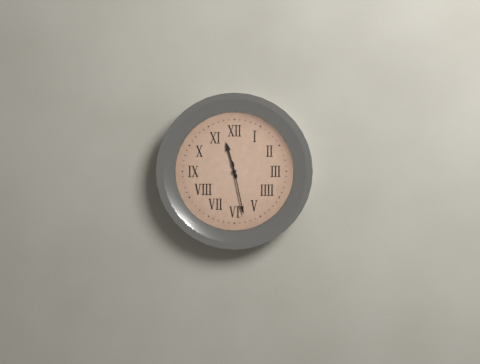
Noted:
11:28
